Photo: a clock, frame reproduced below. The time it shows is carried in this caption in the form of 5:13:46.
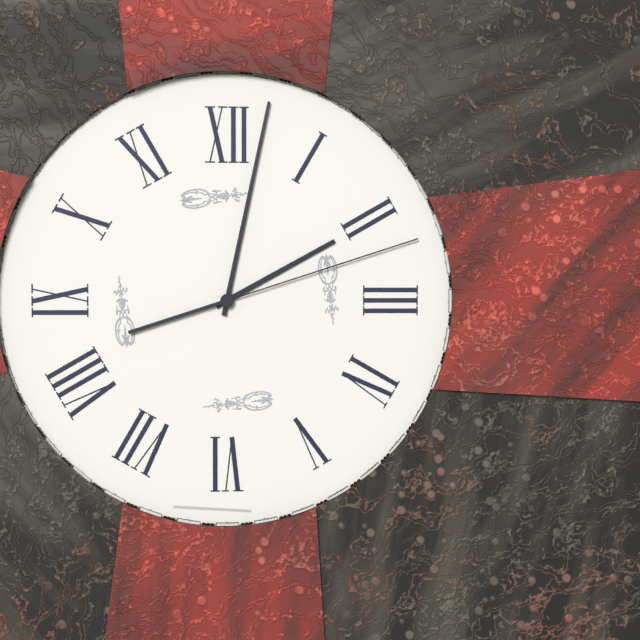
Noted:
2:02:12
